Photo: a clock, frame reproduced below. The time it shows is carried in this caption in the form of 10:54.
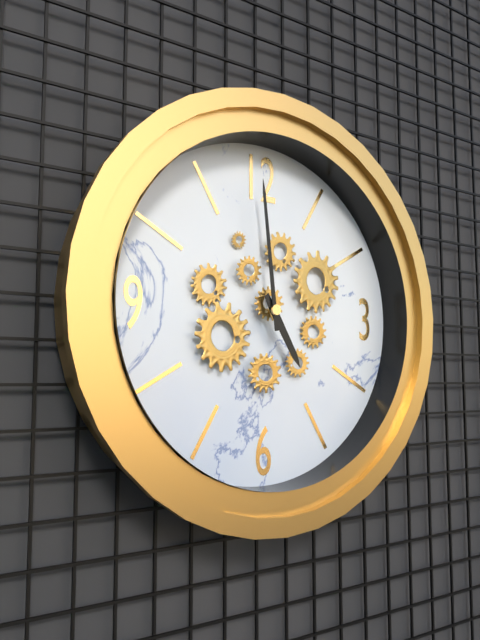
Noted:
4:59
